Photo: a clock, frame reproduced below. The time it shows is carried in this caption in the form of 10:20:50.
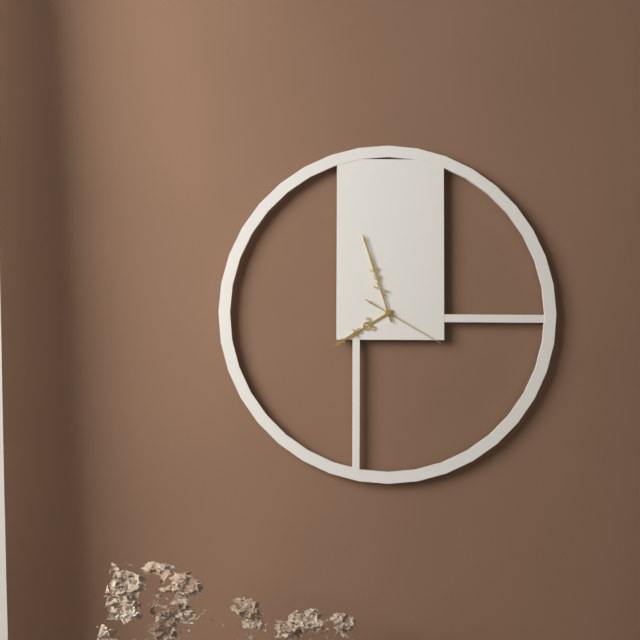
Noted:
7:57:20
